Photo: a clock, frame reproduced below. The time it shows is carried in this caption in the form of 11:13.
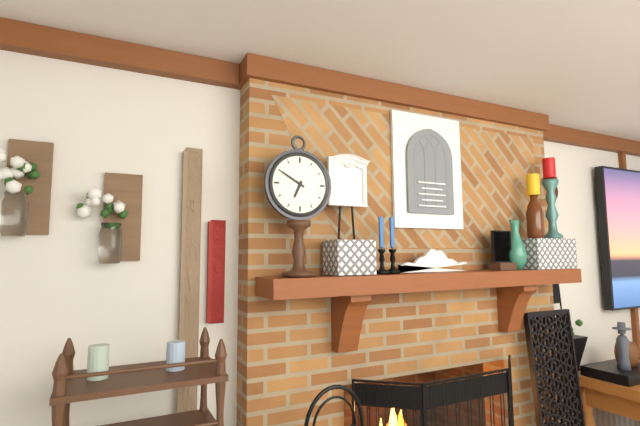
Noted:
6:50
